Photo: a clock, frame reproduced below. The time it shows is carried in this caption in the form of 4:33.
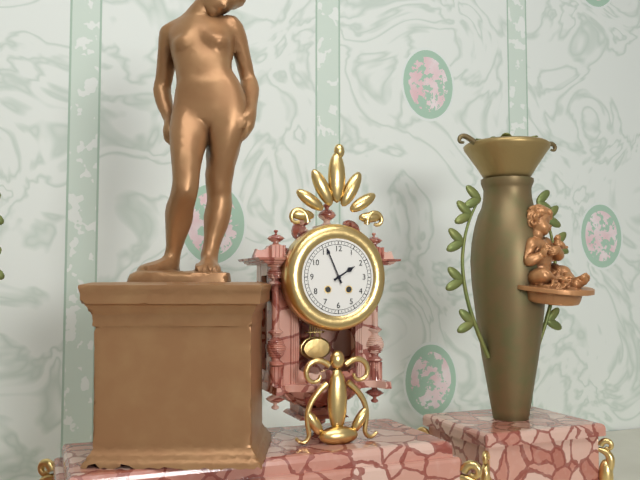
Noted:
1:56
